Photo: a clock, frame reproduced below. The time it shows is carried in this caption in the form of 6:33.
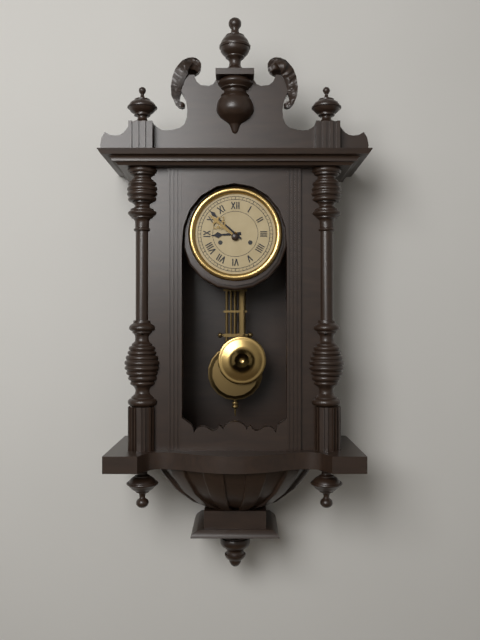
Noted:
8:52
